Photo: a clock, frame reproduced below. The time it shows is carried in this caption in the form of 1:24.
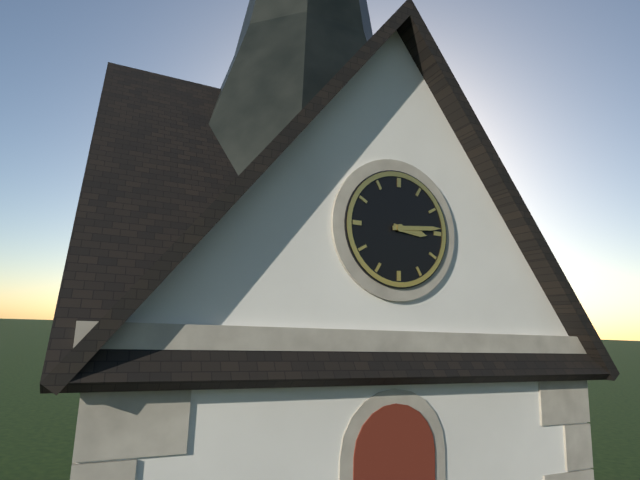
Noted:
3:14
